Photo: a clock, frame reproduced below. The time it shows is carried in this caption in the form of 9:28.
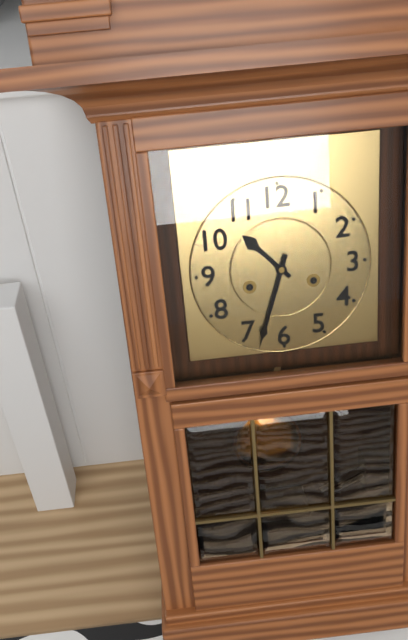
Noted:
10:33
